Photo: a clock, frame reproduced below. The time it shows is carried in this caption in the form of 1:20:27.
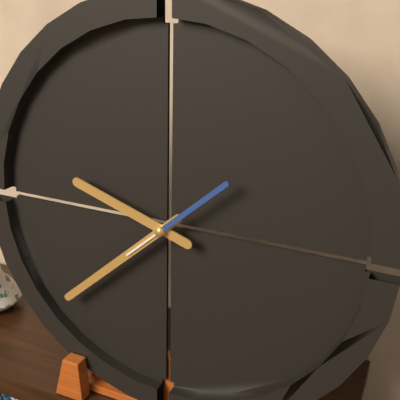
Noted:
9:38:08
